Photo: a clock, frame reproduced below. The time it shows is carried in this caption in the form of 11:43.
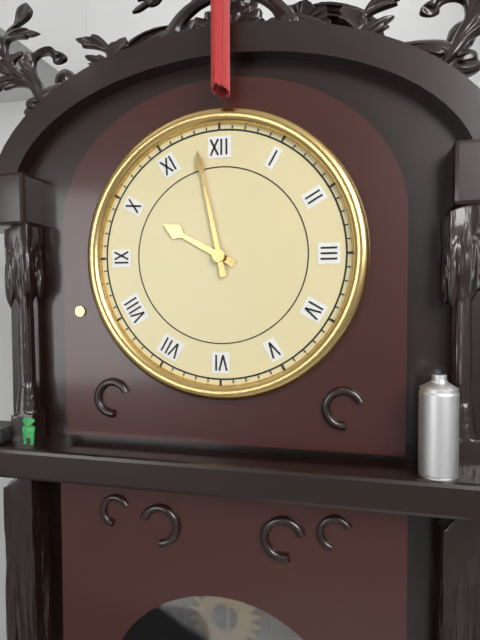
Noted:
9:58
